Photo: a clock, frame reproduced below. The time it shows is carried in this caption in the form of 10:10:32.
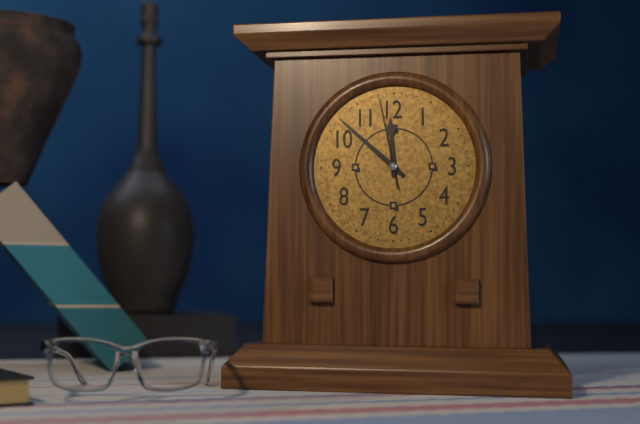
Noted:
11:52:58
